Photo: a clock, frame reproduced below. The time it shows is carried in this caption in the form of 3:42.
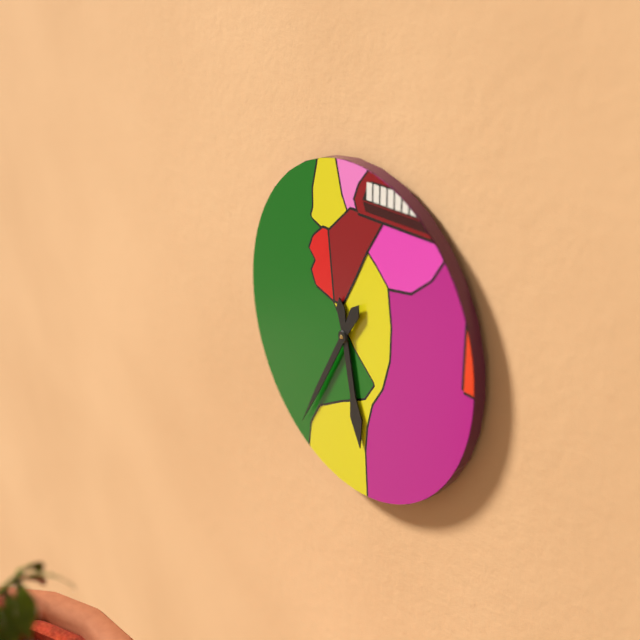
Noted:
5:35
